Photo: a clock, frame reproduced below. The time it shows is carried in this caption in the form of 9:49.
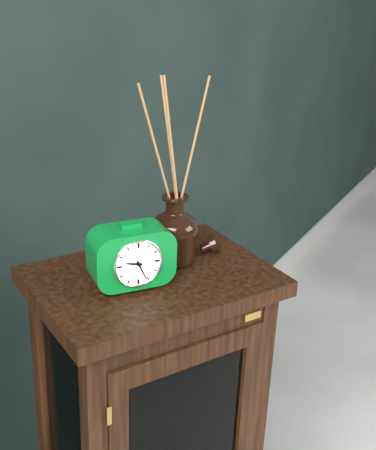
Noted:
9:26
